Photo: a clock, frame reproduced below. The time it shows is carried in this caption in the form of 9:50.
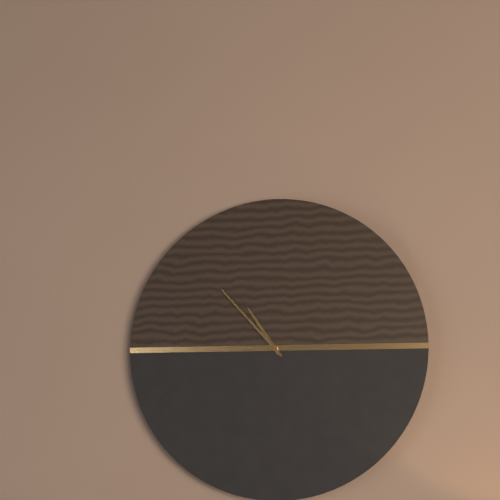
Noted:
10:53
